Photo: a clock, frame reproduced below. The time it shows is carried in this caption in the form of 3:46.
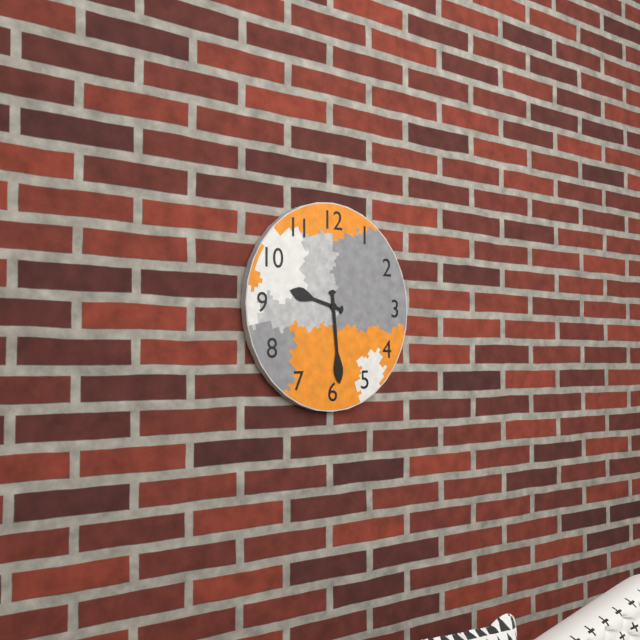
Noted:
9:29
